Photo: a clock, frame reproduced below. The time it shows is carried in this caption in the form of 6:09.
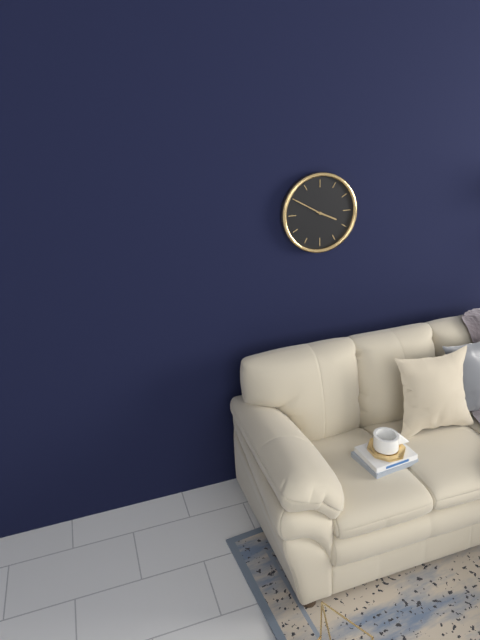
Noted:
3:50
